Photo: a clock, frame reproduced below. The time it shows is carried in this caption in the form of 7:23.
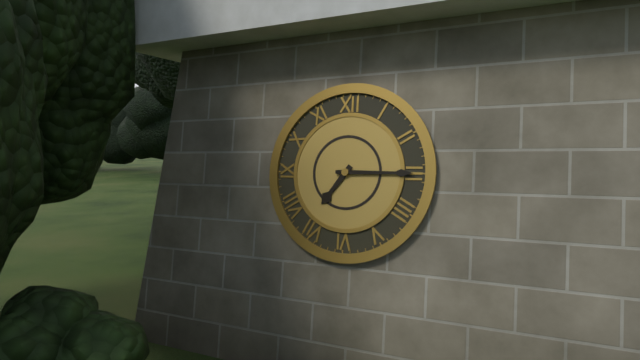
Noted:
7:15
